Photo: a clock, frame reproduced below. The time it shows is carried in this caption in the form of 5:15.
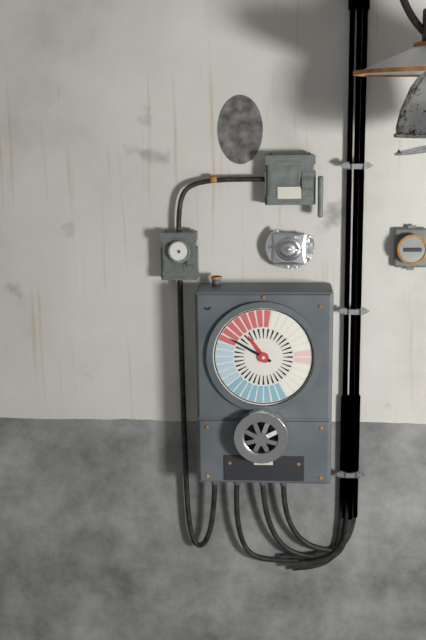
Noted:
10:50
